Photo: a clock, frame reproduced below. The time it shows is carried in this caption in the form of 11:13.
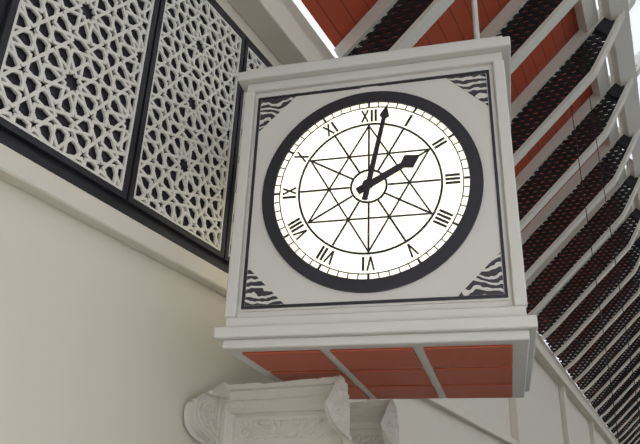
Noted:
2:02
